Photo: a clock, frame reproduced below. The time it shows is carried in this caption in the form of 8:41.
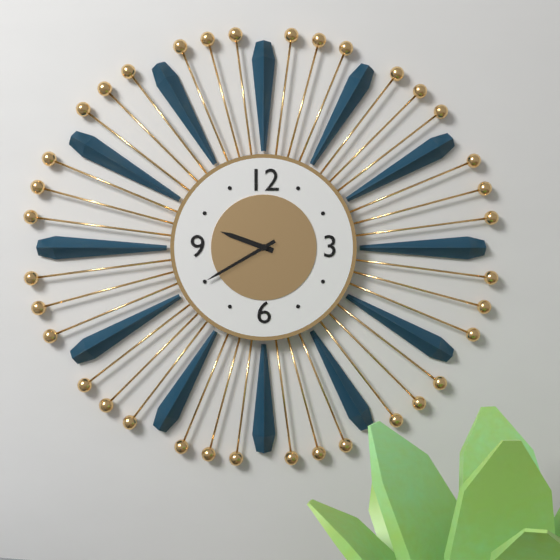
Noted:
9:40
